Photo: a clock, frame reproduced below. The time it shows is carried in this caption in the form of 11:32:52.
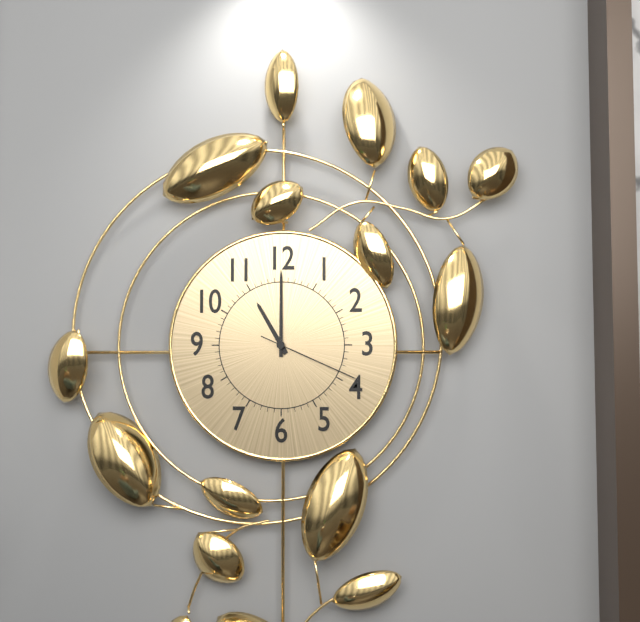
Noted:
11:00:19
